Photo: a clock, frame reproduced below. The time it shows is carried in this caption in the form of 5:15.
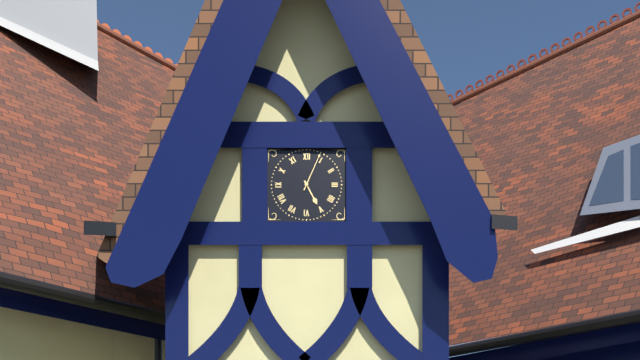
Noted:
5:04
